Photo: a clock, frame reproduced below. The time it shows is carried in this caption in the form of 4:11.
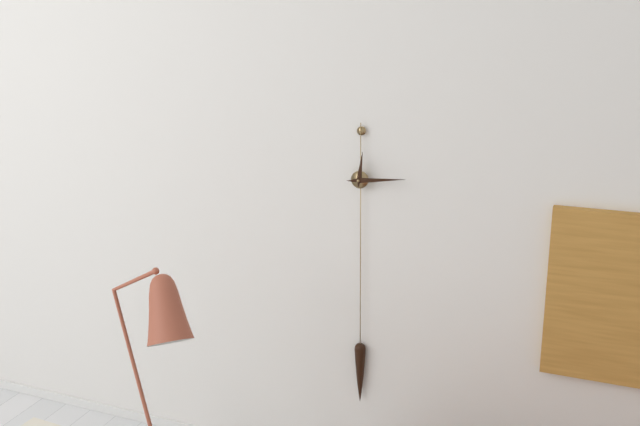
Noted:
12:14
